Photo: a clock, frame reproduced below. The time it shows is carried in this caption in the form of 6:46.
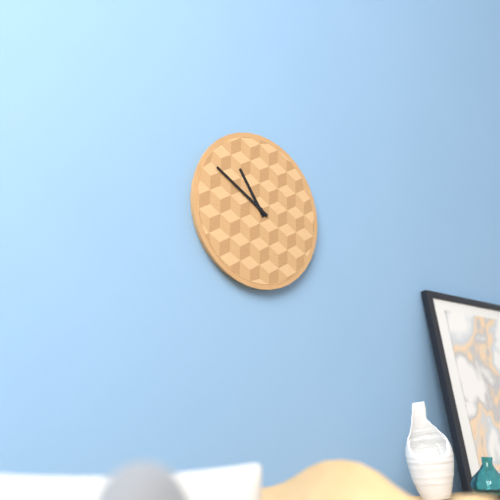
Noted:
10:50
